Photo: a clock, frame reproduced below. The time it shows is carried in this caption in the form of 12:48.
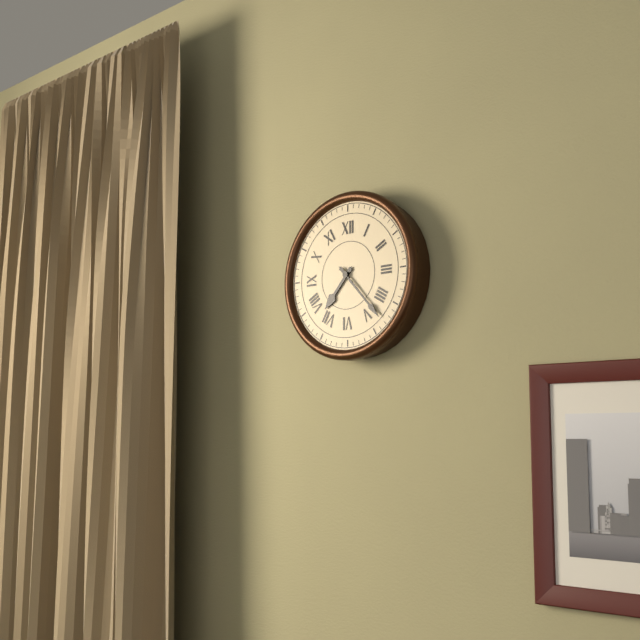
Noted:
7:23
